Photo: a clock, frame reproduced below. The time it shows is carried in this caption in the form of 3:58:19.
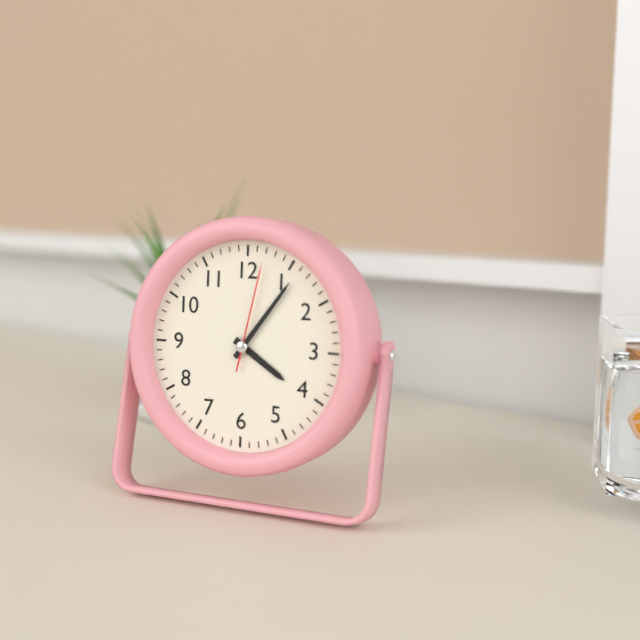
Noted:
4:06:02
